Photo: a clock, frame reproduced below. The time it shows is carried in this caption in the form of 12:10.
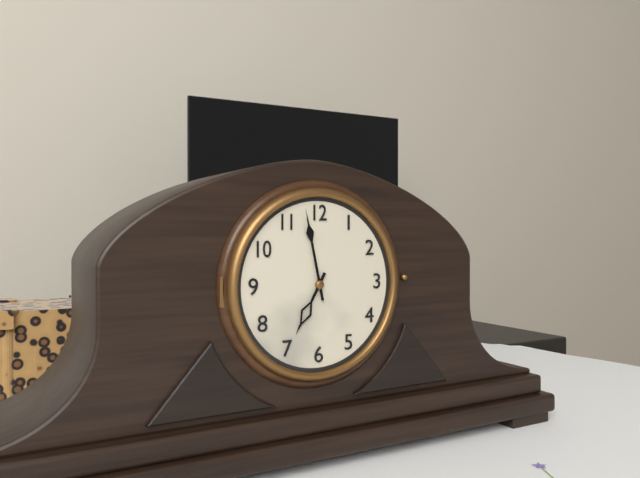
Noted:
6:58
